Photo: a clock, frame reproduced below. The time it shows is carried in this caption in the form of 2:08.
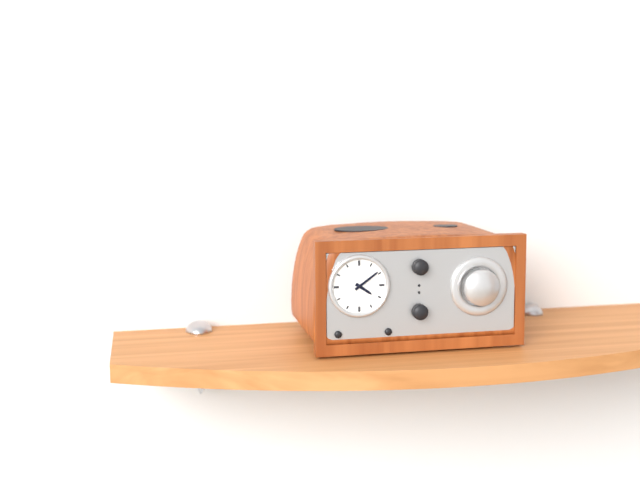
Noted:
4:09
